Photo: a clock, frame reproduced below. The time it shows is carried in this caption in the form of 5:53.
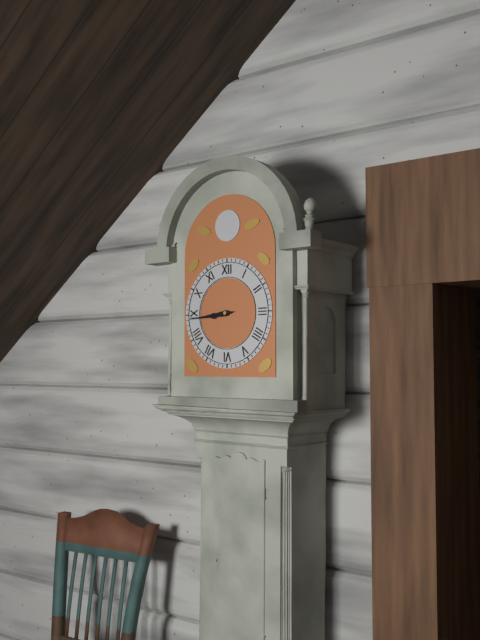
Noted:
8:44
